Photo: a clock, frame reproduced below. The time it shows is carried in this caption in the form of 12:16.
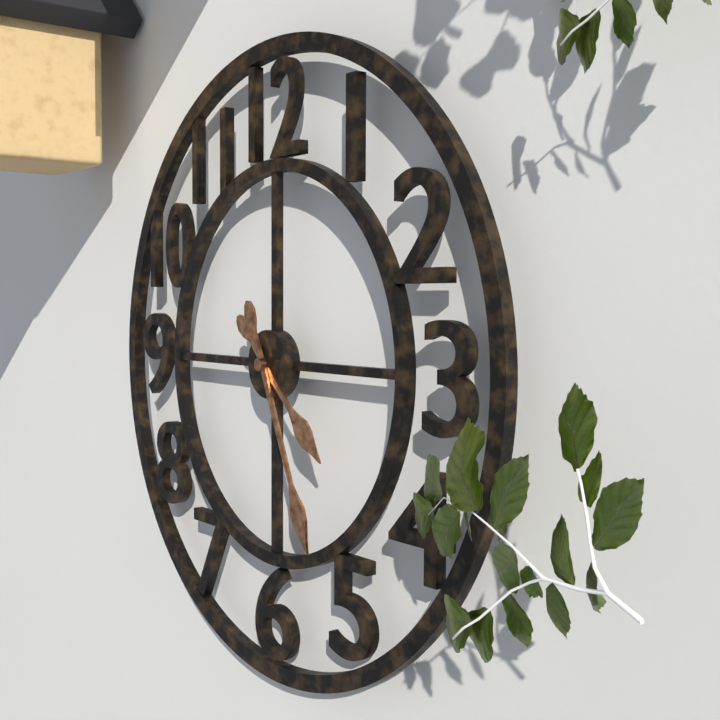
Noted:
4:26
